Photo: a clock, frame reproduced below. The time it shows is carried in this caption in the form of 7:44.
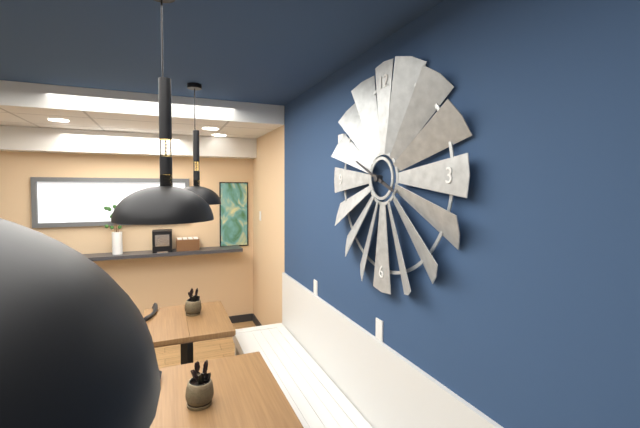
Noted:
3:49
